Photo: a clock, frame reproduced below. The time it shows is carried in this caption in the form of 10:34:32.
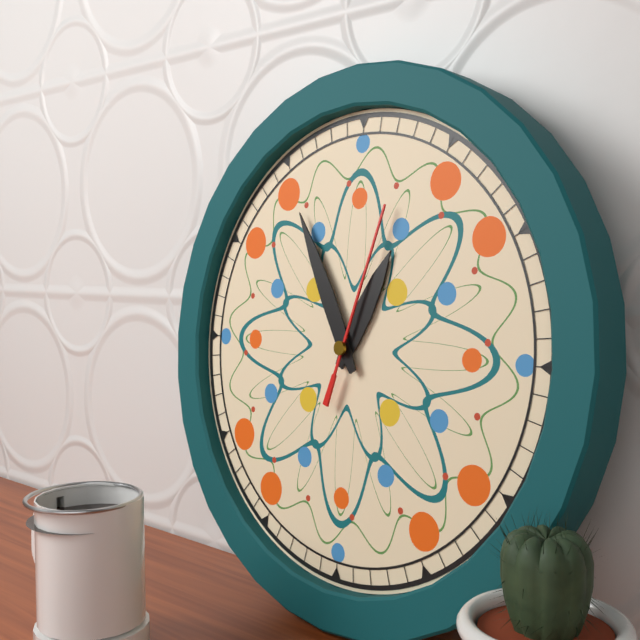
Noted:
12:55:03
